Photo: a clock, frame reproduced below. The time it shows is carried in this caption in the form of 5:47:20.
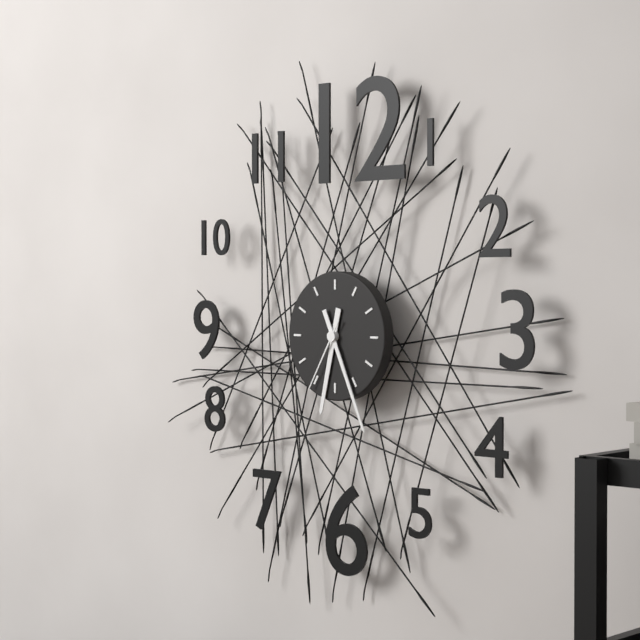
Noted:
6:26:35
